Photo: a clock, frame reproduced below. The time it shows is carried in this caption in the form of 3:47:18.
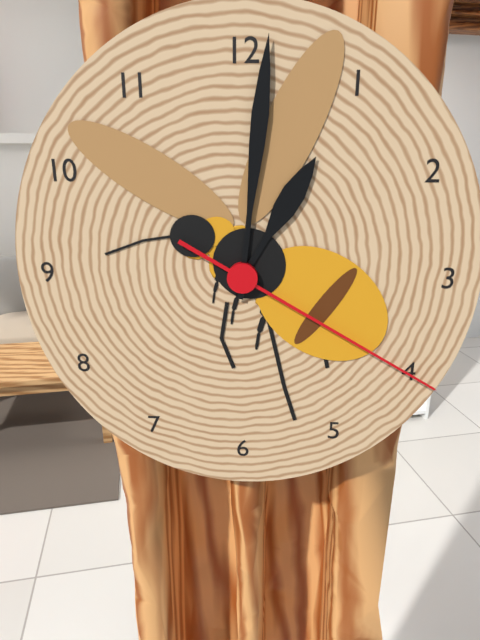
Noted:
1:01:20
